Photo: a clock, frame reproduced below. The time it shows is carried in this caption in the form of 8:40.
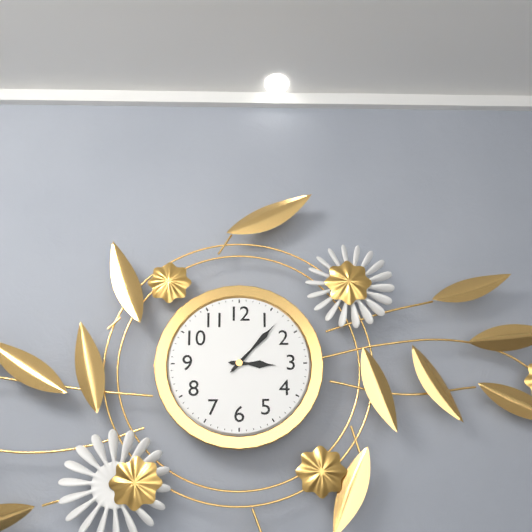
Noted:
3:07
